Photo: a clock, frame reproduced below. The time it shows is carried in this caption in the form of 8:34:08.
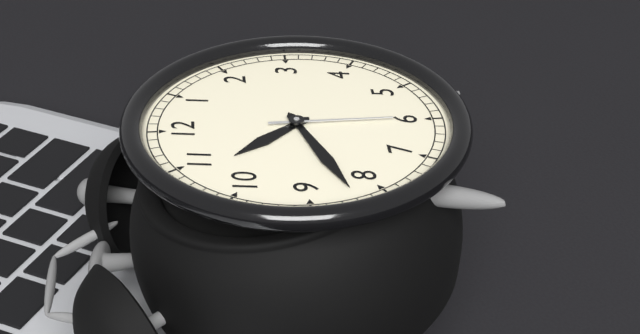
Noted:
10:42:30
